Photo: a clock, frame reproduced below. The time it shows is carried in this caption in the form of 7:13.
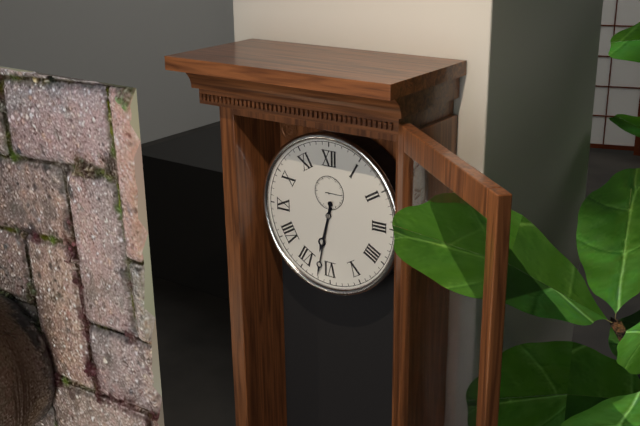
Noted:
6:32
